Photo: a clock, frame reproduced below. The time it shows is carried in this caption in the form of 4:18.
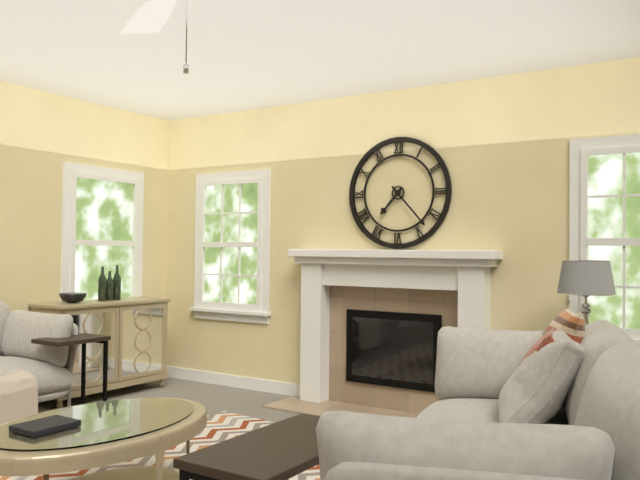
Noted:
7:23
